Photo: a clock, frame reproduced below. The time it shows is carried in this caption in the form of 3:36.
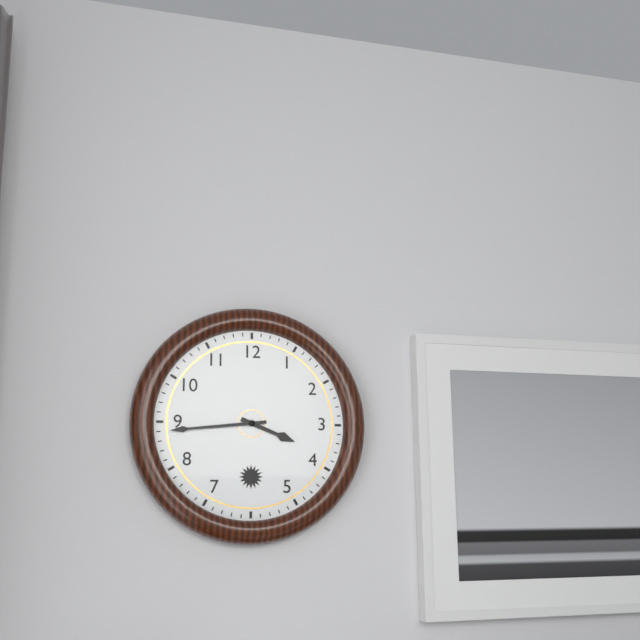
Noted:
3:44
